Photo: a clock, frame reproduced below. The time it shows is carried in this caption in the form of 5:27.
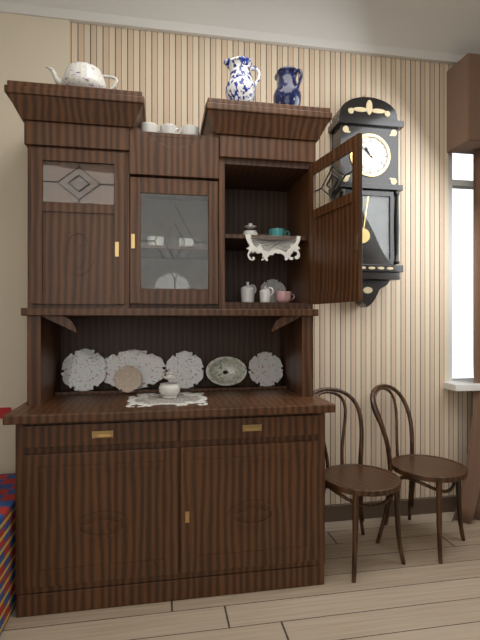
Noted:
10:52
